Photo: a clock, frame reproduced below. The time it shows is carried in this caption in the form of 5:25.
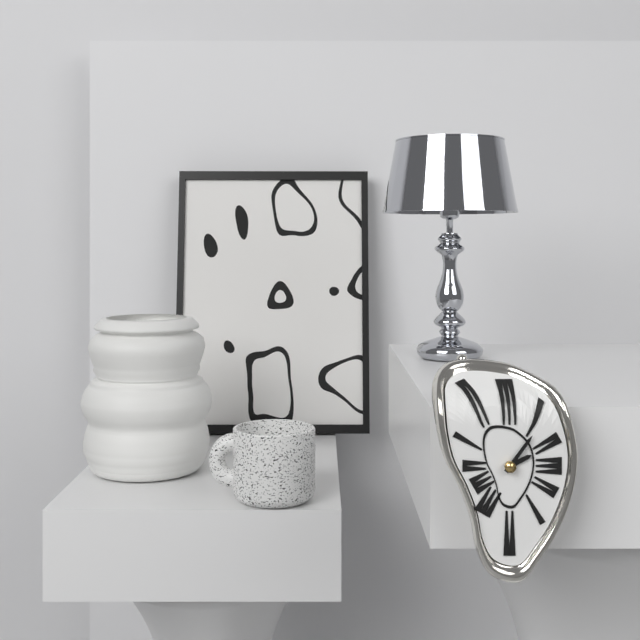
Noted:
2:06
